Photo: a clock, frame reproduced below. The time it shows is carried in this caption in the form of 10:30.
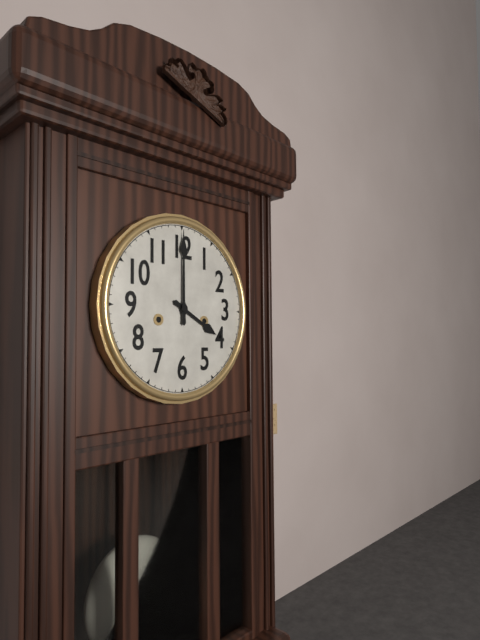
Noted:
4:00
